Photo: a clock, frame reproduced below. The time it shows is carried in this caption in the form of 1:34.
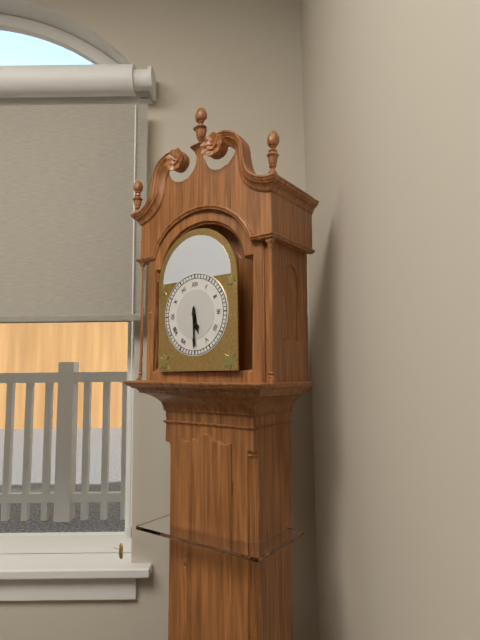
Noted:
5:30
